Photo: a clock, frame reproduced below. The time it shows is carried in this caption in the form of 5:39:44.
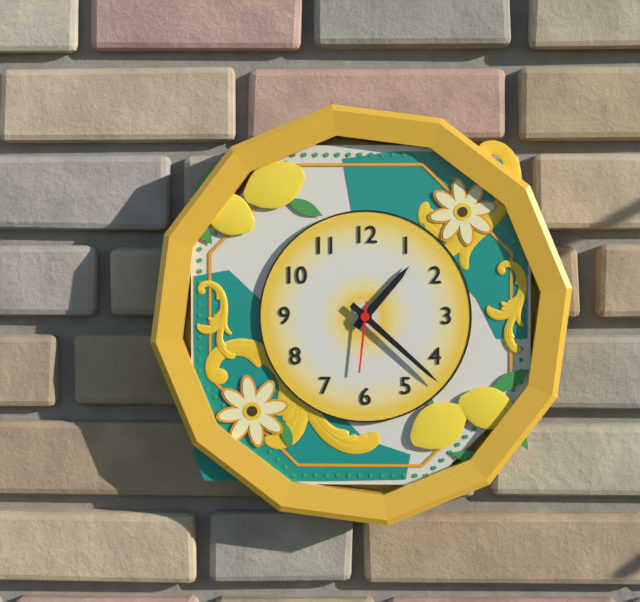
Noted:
1:22:31
